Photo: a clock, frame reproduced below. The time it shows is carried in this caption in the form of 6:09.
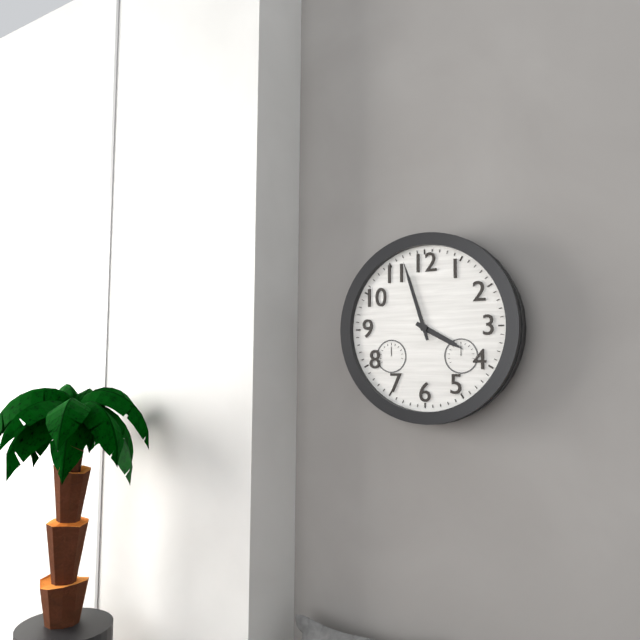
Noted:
3:57
